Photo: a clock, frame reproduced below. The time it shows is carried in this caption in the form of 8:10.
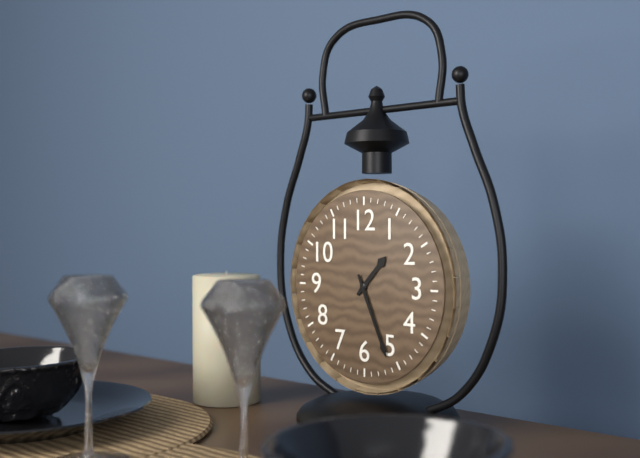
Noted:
1:26
